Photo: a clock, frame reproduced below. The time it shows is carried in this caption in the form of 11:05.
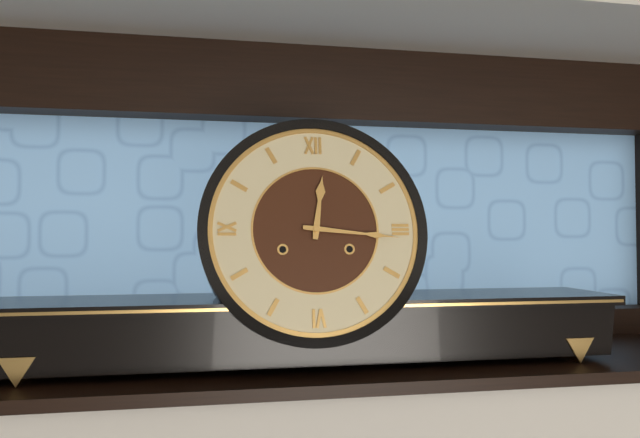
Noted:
12:16
